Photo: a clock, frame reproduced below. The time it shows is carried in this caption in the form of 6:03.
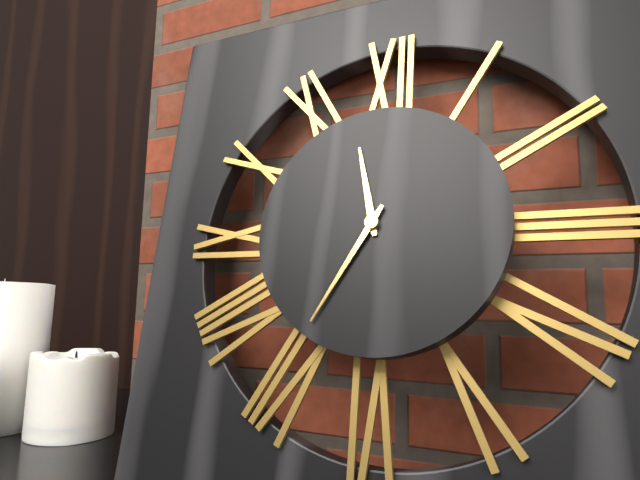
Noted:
11:35
